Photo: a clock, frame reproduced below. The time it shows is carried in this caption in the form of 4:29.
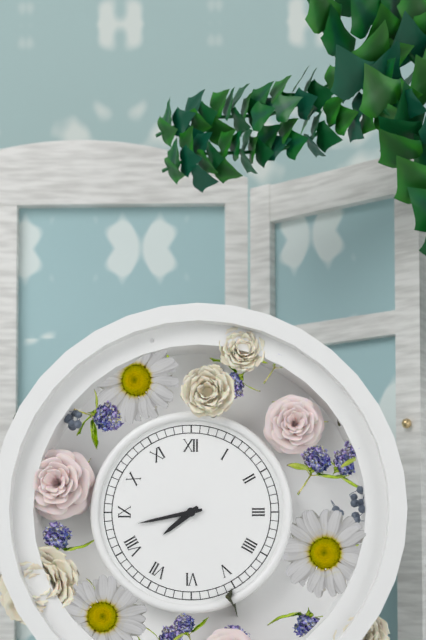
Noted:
7:43
